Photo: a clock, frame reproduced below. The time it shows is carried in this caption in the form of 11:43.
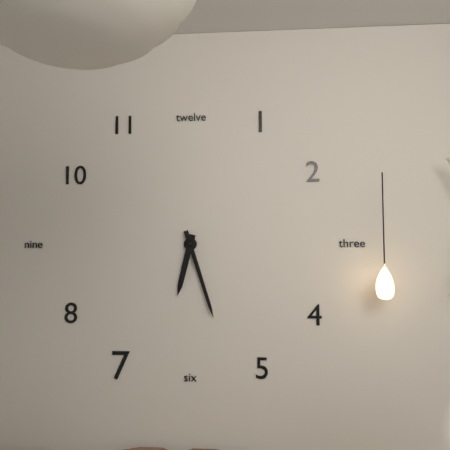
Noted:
6:27
